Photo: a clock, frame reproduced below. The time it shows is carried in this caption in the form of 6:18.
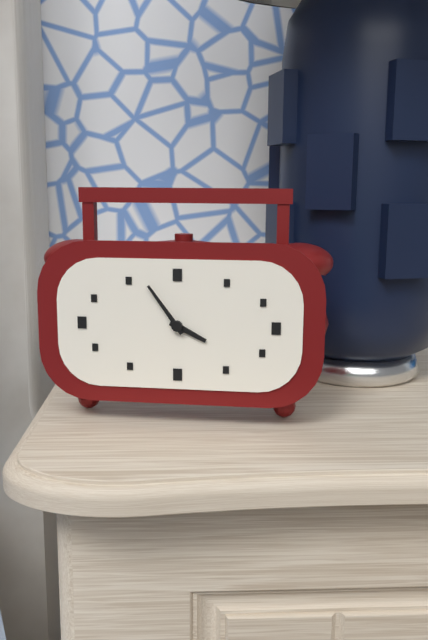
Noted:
3:54
